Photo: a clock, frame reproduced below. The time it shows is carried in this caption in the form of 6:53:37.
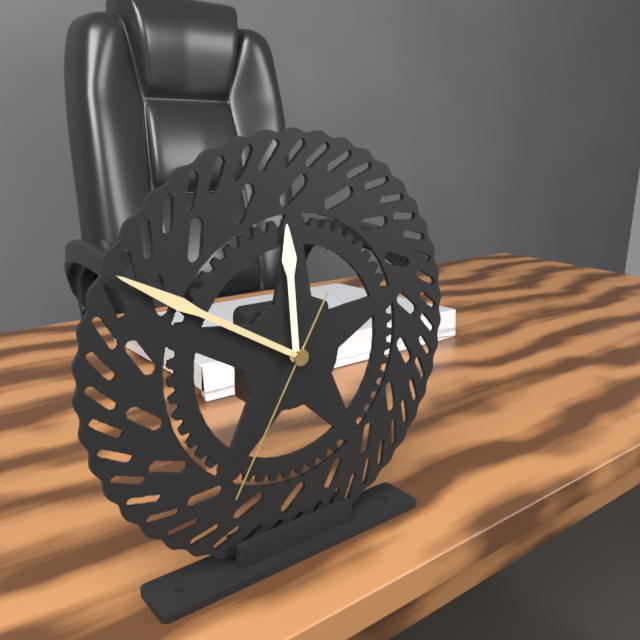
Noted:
11:50:35
